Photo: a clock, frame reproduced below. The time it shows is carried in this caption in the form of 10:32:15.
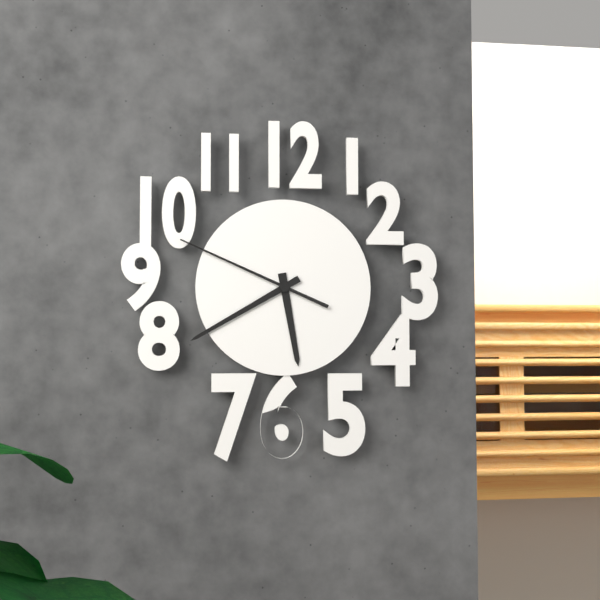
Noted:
5:40:49
